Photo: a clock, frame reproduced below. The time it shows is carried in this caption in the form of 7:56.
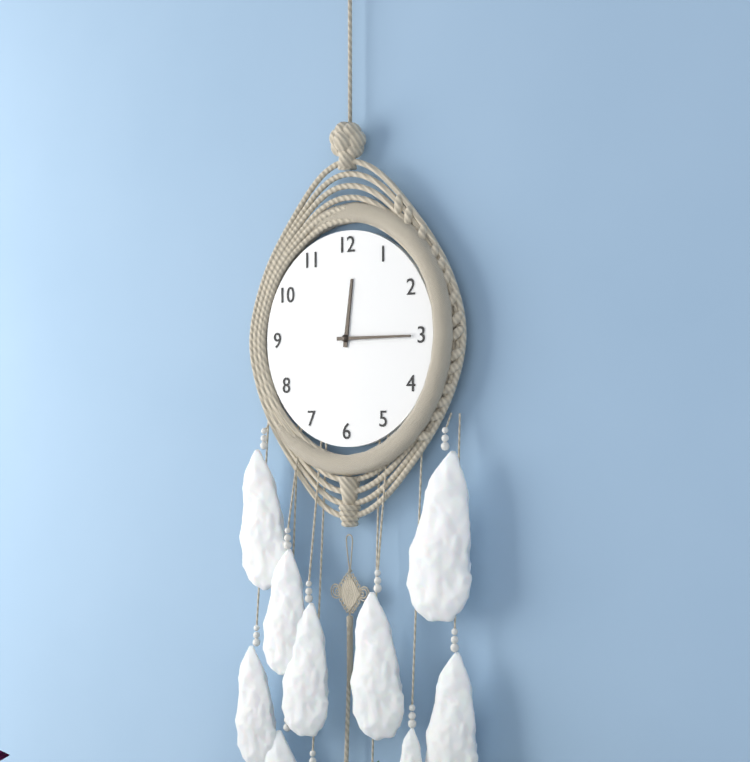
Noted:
12:15
